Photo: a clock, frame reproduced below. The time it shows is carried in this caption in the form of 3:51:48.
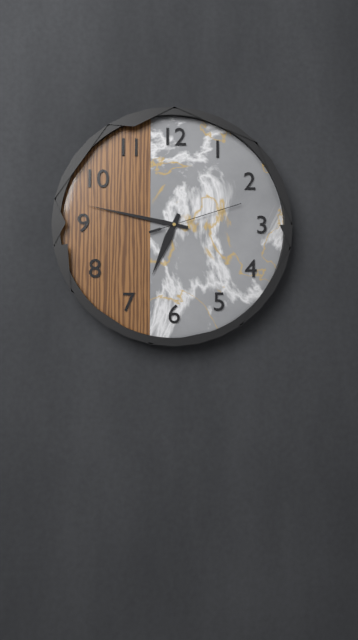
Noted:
6:47:12
